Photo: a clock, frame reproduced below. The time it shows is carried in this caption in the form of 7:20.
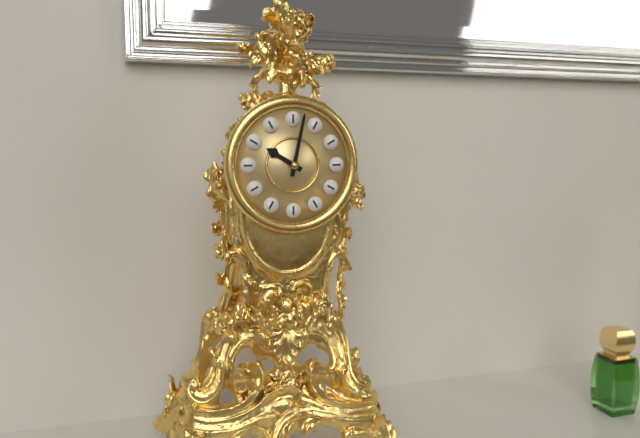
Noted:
10:02
